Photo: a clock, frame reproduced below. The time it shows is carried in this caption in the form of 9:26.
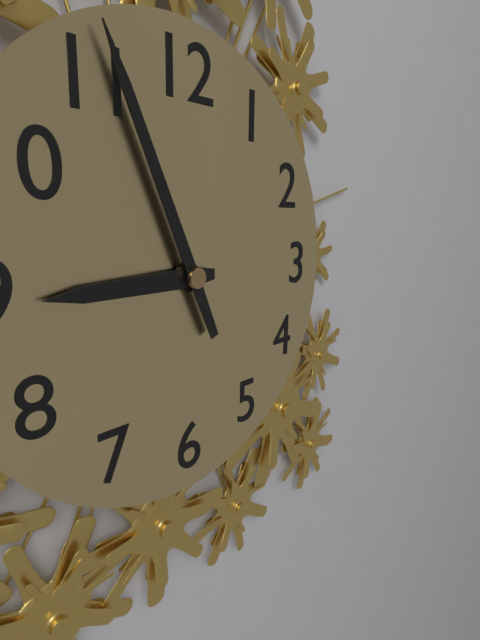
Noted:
8:56
